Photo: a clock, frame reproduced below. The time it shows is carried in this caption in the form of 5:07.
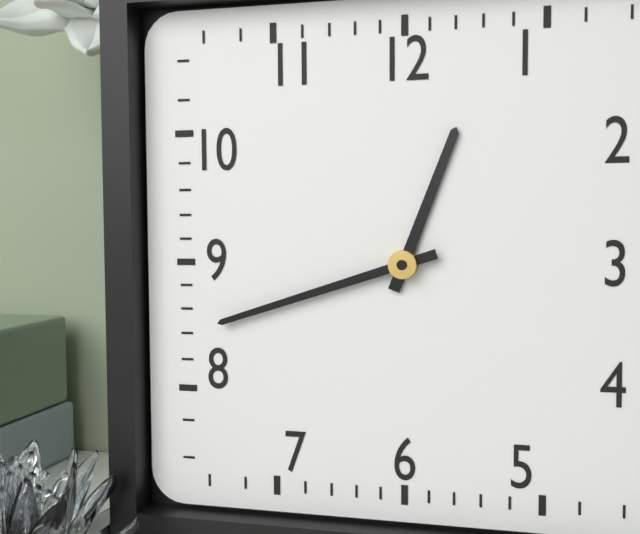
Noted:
12:42
